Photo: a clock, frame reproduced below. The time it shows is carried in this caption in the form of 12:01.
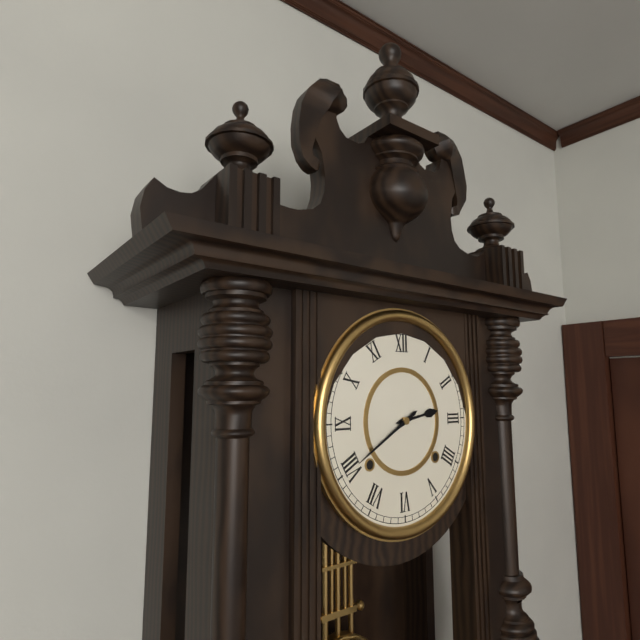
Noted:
2:40
